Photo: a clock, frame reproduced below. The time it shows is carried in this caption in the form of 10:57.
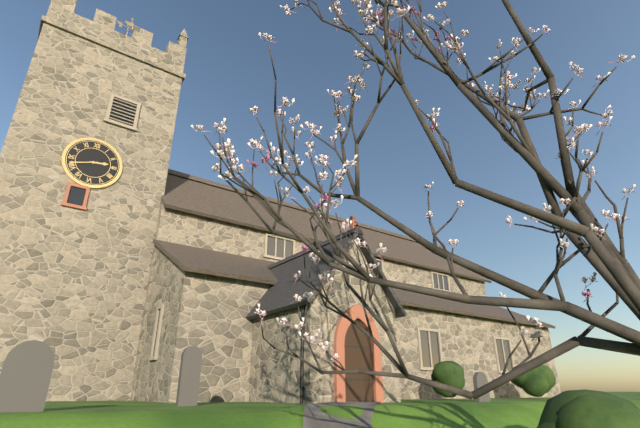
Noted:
2:42
